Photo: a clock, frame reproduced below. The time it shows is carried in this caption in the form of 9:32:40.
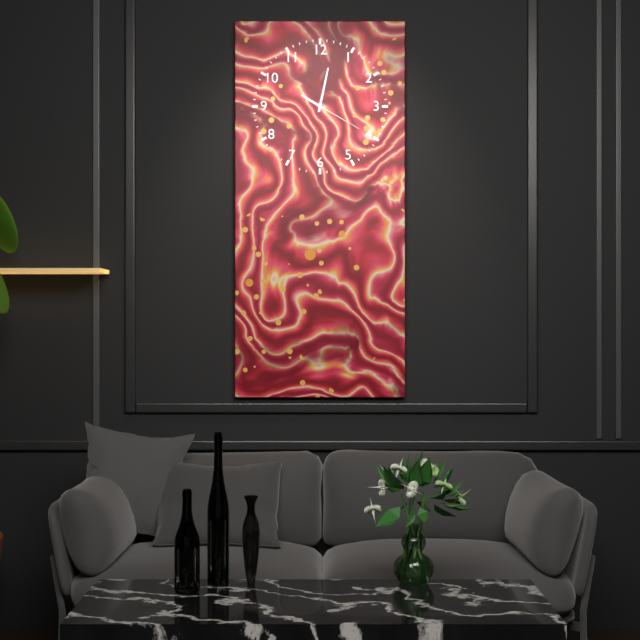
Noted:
10:02:20
